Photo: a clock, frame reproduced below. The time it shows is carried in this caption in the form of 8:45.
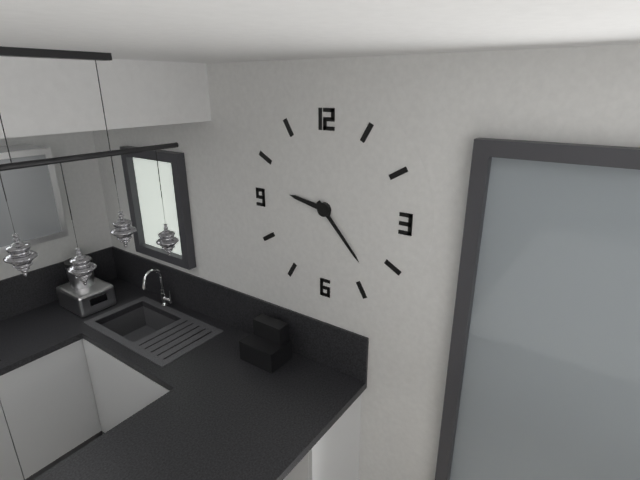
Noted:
9:23
